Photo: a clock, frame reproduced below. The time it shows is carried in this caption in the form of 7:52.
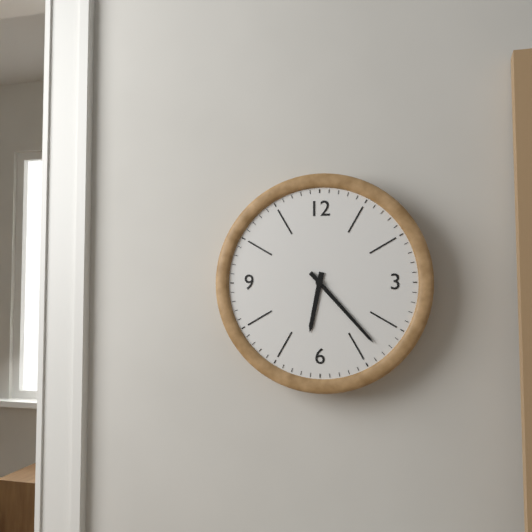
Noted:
6:23
